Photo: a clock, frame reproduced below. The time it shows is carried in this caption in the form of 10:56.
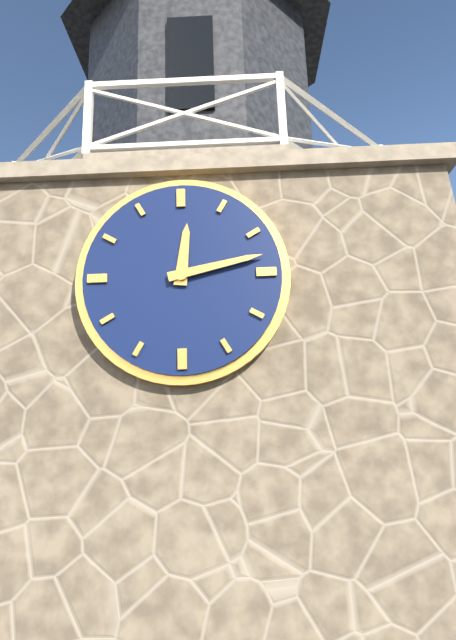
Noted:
12:13
